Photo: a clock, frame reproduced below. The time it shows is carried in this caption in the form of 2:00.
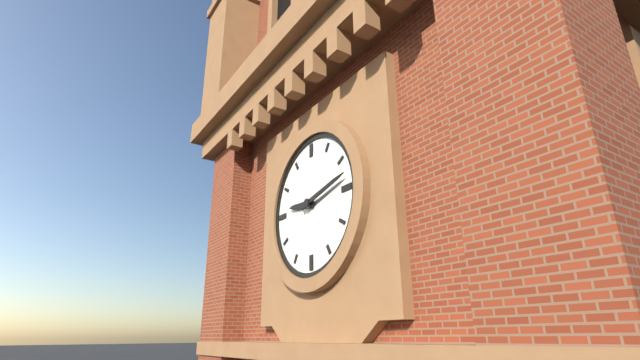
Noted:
9:13
